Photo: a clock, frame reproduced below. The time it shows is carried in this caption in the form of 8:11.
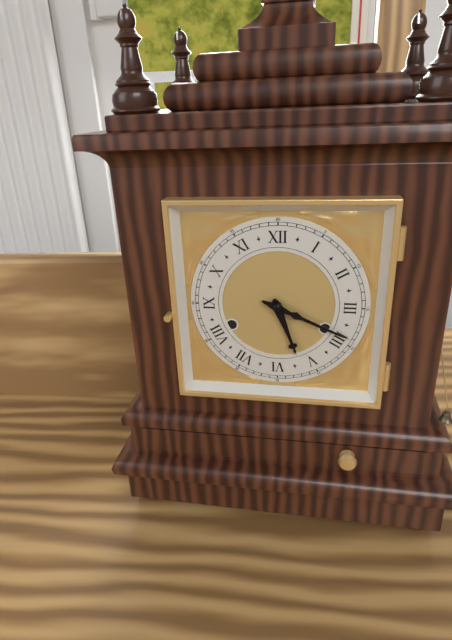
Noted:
5:19
